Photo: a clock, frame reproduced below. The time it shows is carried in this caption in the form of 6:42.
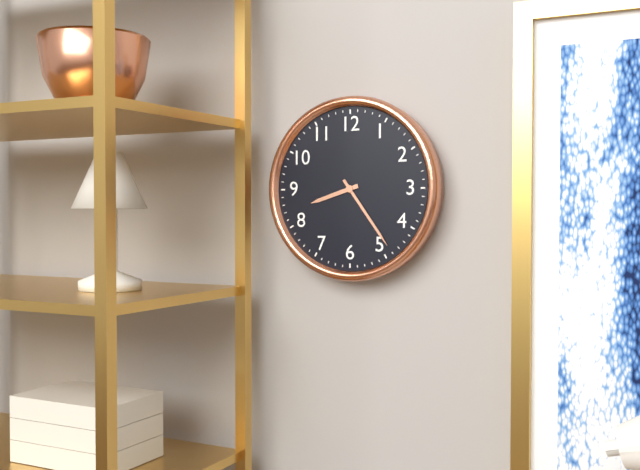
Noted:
8:24
